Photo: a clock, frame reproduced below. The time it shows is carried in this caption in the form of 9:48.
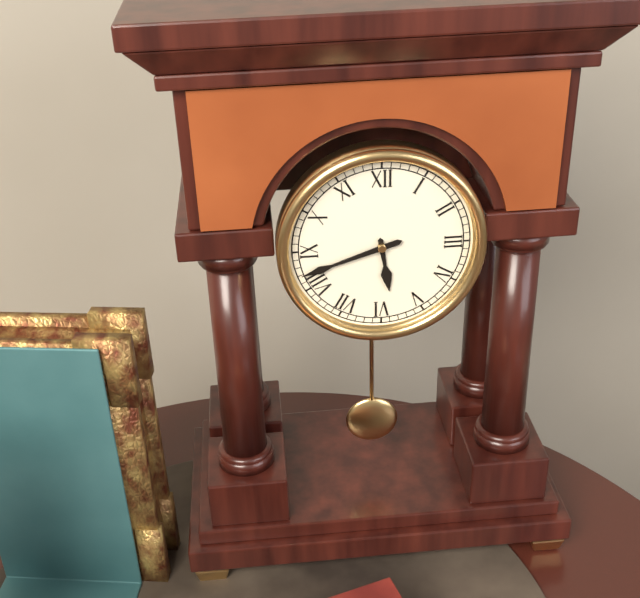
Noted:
5:42
